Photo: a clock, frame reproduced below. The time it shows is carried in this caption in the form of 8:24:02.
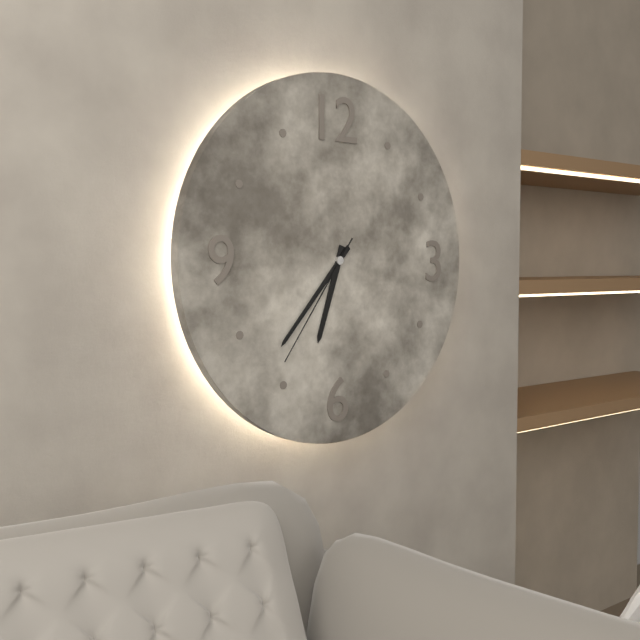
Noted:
6:37:36
